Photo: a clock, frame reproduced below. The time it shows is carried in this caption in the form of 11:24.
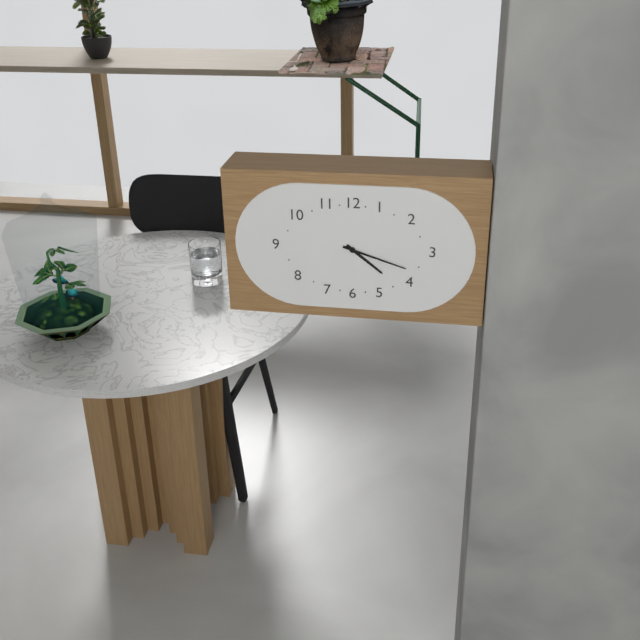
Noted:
4:18
